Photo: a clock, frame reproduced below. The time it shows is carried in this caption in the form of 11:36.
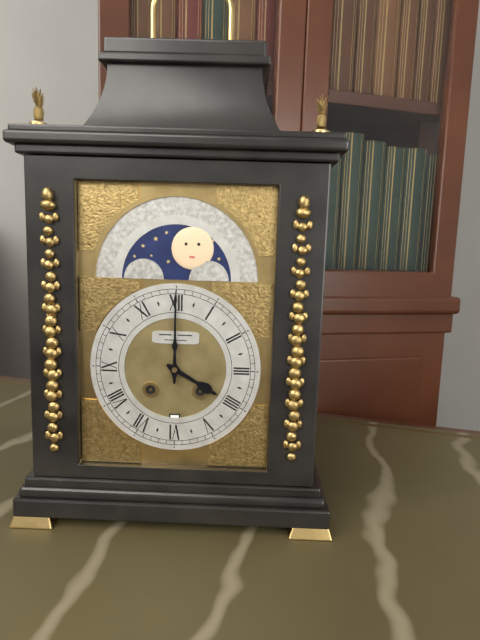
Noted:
4:00
